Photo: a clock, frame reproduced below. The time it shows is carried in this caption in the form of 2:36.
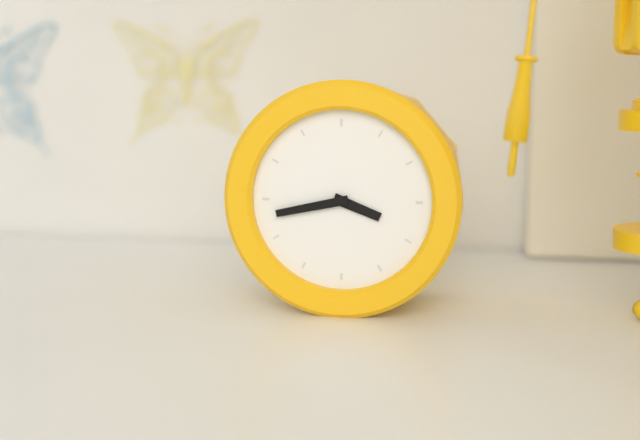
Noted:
3:43
